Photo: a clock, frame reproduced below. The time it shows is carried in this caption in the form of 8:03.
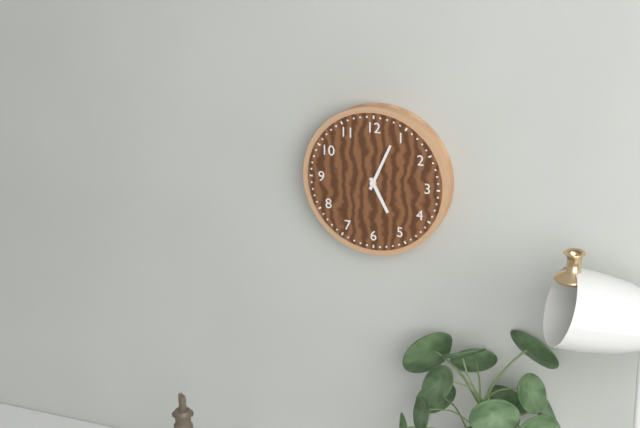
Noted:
5:04
